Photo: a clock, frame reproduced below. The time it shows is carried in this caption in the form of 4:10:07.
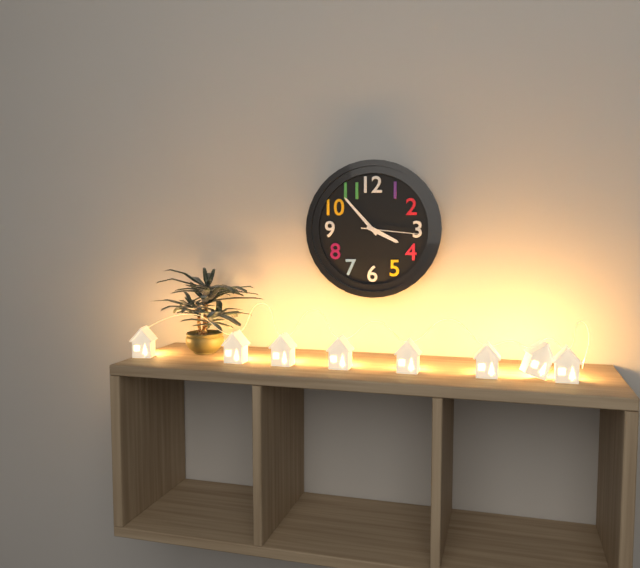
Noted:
3:53:16
